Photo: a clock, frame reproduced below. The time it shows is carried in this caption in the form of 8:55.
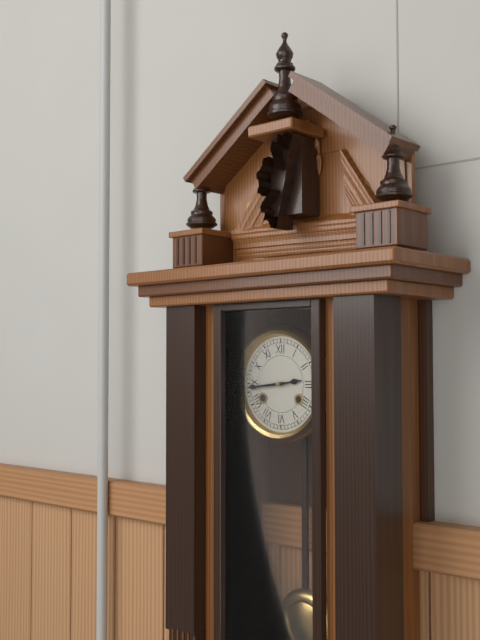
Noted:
2:44
